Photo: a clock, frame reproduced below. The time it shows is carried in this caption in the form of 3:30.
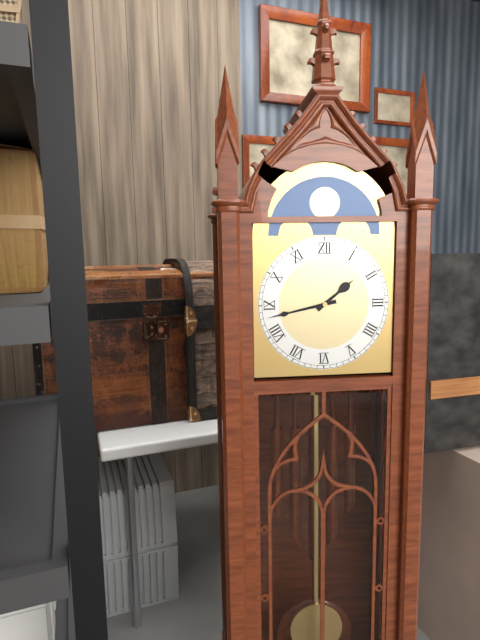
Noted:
1:43
